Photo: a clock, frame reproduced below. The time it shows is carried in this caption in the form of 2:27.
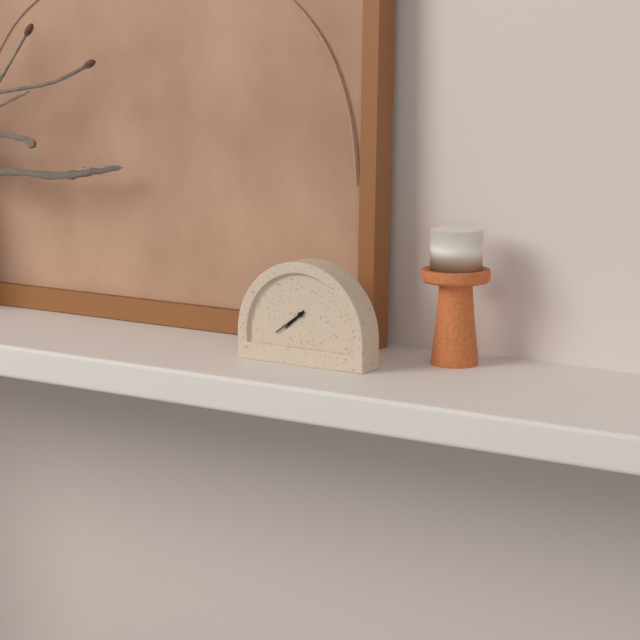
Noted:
7:39
